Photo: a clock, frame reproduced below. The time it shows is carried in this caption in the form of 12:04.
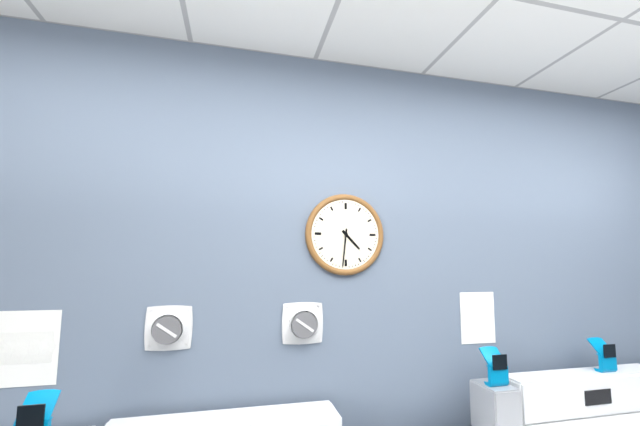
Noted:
4:31
